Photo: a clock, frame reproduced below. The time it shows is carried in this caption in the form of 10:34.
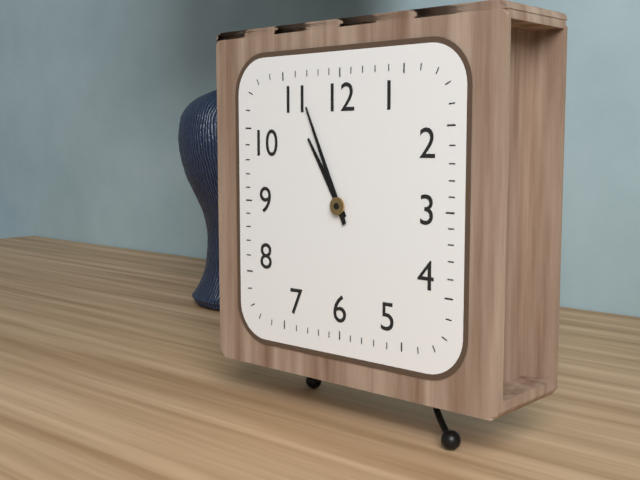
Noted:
10:56
